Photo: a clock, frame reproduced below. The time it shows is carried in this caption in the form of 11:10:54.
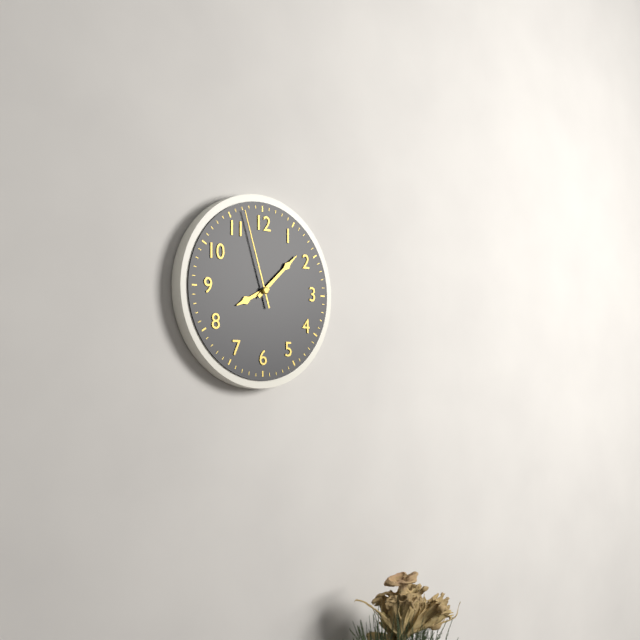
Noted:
8:08:57
